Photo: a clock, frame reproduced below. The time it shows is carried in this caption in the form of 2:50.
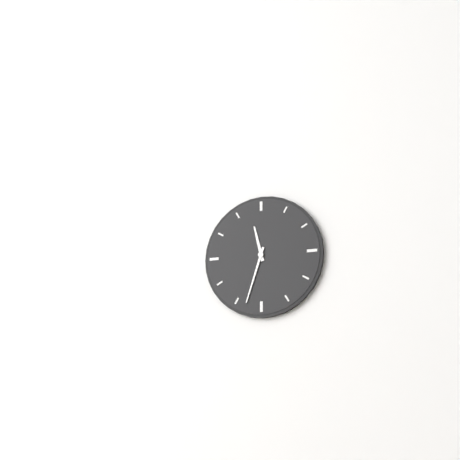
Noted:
11:33
